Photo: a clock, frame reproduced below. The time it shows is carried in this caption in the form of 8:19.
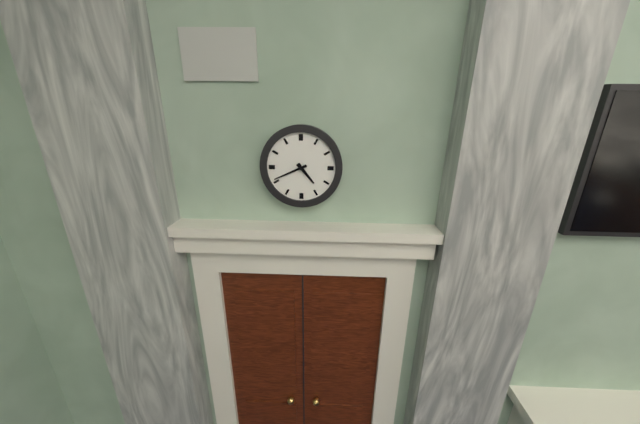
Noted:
4:41
